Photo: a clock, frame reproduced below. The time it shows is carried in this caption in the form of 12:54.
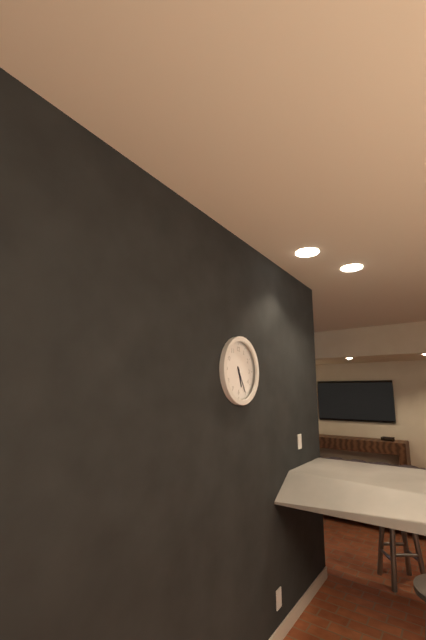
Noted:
5:25
